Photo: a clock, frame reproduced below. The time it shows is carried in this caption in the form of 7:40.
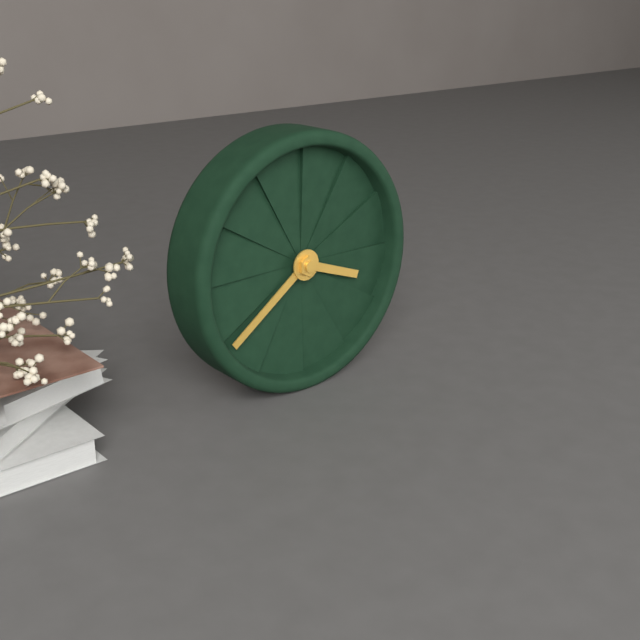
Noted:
3:39
